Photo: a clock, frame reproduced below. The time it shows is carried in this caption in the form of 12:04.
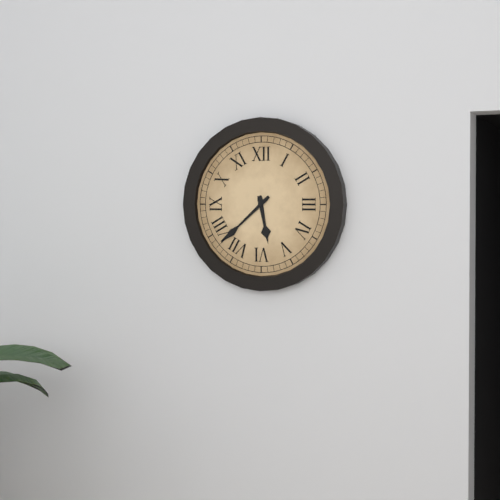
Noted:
5:38
